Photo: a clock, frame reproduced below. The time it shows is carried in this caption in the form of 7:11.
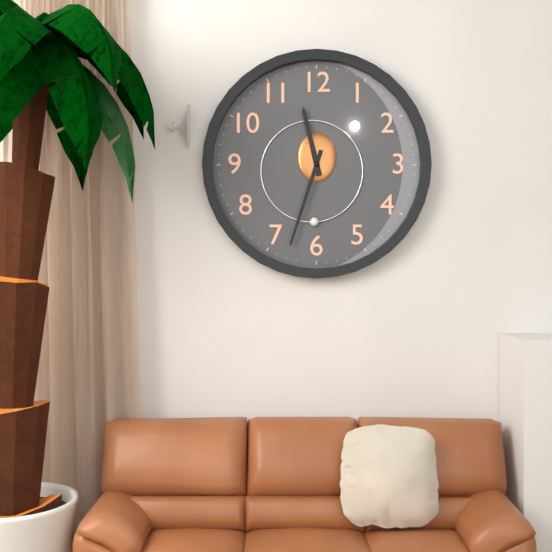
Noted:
11:33
